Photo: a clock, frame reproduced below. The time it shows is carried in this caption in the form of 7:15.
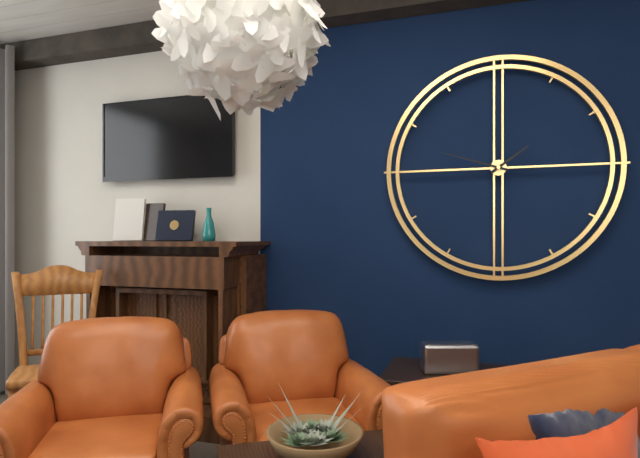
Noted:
1:48
